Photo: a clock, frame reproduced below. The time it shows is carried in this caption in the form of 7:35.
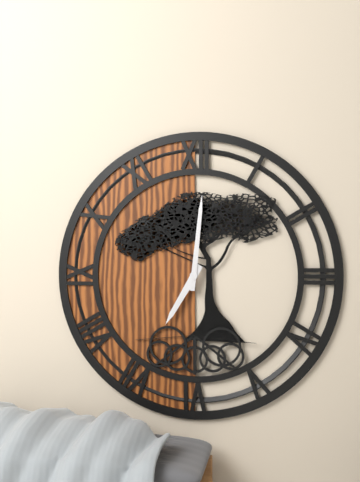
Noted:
7:01
